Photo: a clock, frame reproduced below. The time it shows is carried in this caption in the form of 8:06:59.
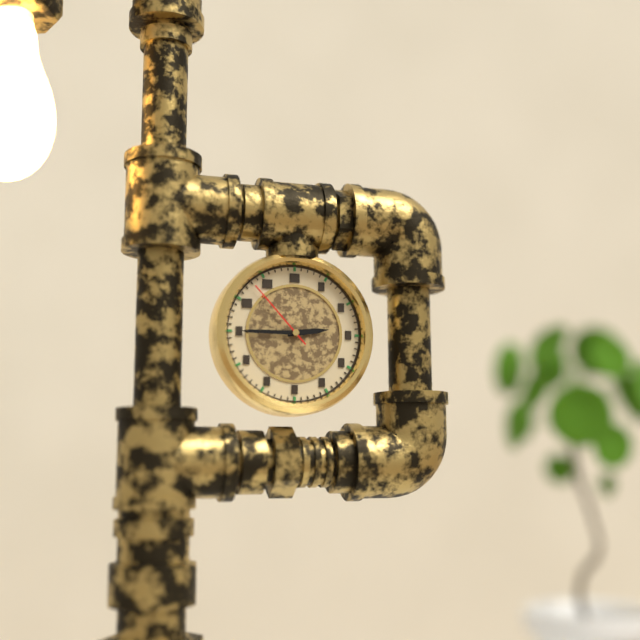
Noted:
2:45:53
